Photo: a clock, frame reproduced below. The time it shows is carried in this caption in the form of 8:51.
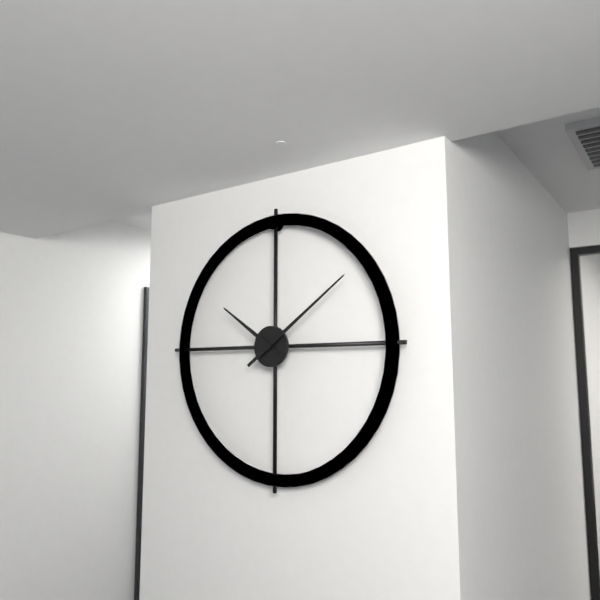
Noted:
10:09
